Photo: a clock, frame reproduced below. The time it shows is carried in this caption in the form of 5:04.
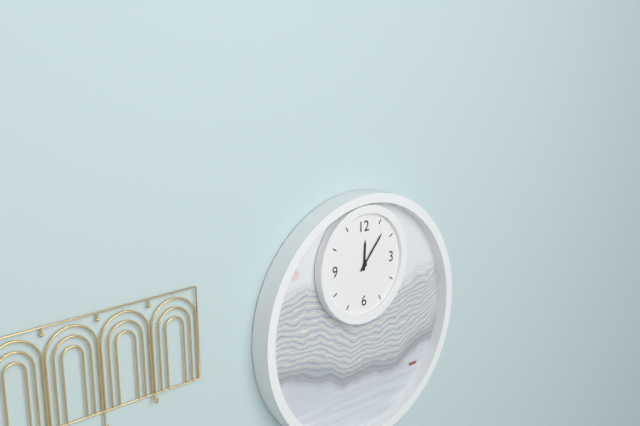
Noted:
12:07
